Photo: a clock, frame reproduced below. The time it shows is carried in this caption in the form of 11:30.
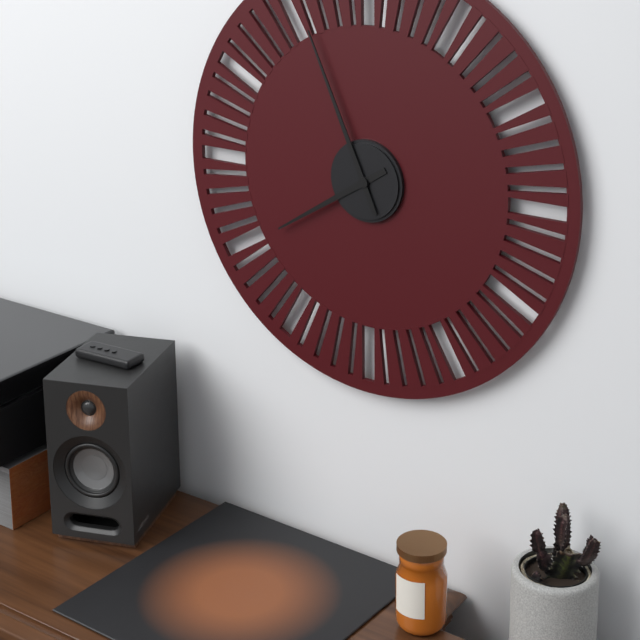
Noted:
7:56
